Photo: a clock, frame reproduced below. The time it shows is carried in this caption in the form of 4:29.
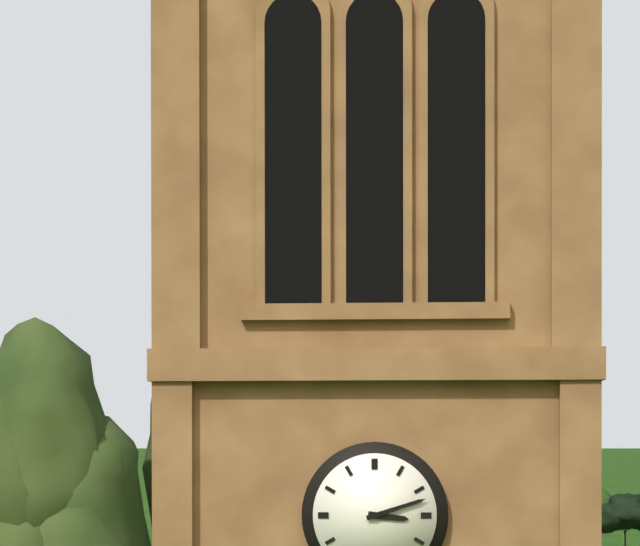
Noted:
3:12
